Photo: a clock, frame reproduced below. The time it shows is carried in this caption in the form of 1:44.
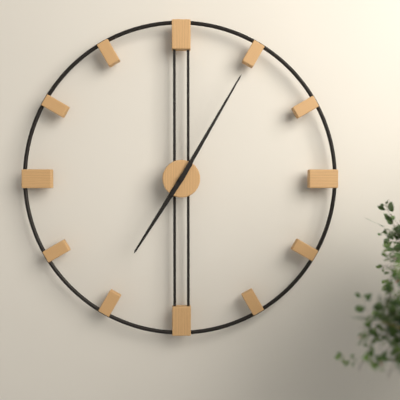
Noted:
7:05
